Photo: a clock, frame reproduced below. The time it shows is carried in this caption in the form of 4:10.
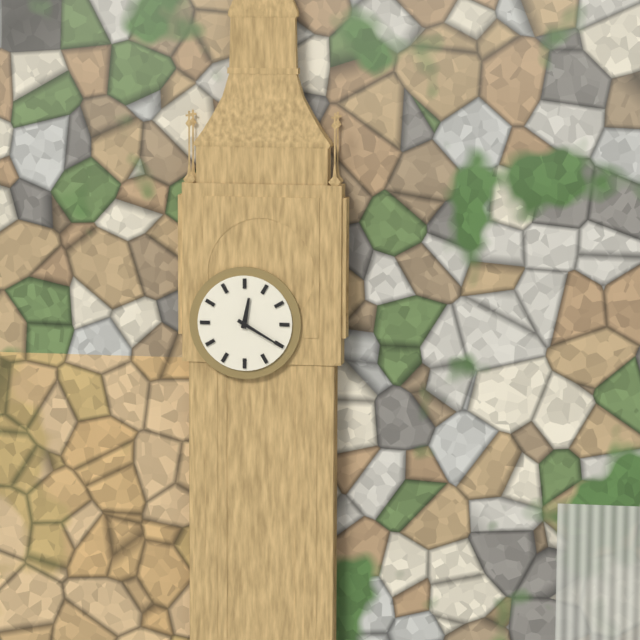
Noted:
12:20
